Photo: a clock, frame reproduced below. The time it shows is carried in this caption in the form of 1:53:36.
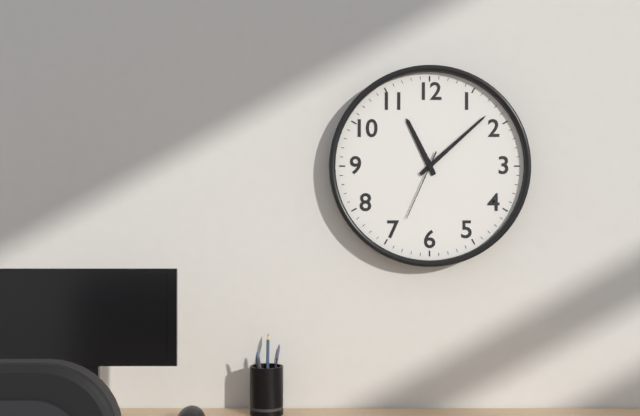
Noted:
11:08:34
